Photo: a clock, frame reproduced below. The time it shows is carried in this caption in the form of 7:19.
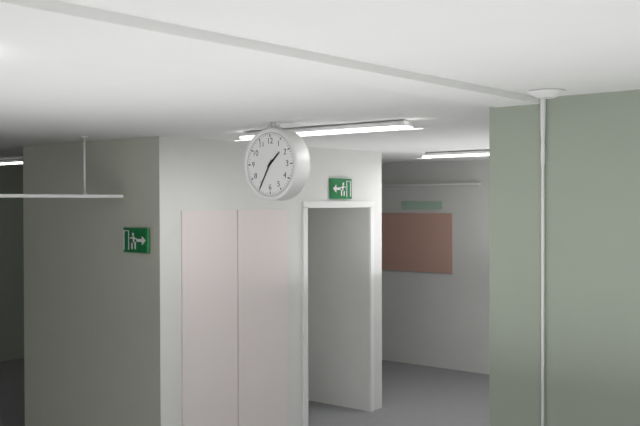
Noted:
1:35
